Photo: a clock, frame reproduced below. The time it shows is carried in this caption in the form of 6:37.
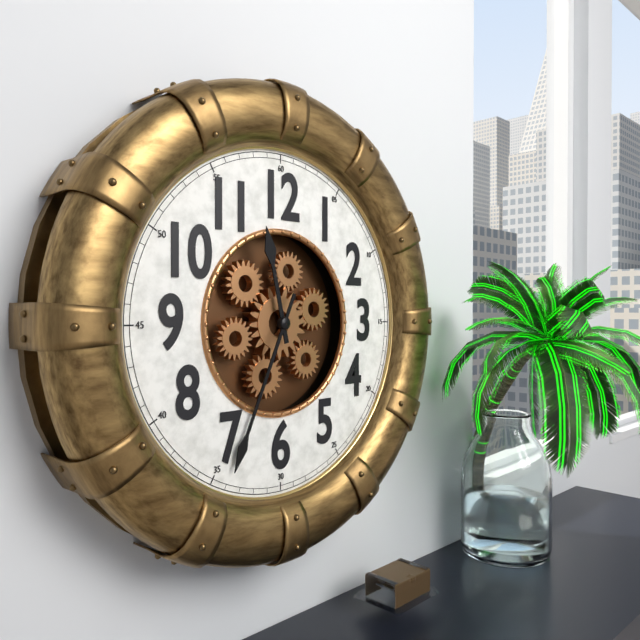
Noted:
11:34
